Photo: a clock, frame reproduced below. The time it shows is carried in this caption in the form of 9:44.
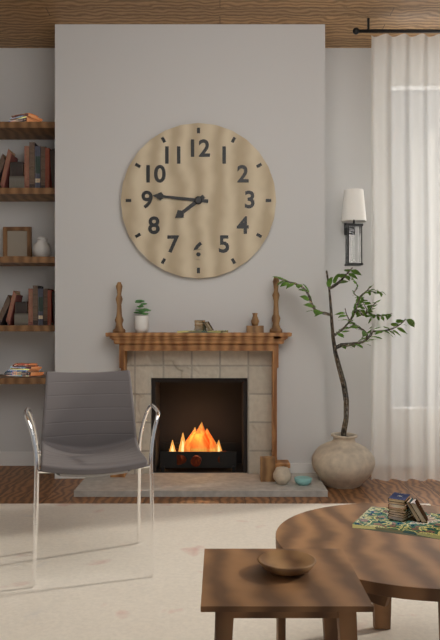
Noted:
7:46
